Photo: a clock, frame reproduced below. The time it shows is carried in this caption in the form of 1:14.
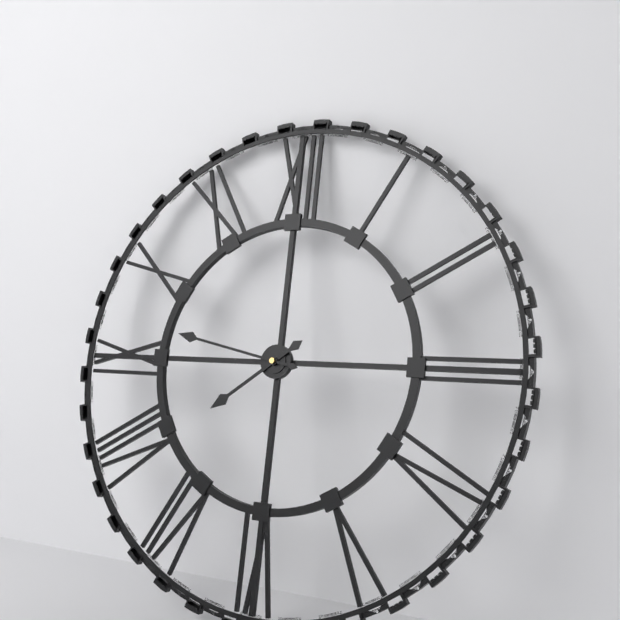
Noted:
7:47
